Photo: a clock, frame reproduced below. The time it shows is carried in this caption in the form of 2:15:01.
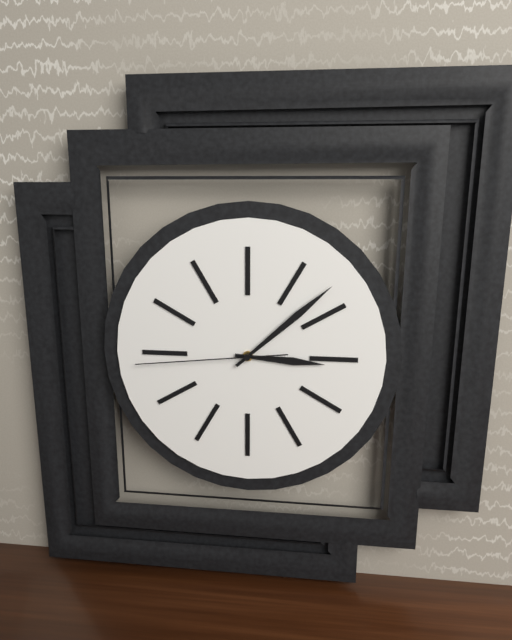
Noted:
3:08:44
